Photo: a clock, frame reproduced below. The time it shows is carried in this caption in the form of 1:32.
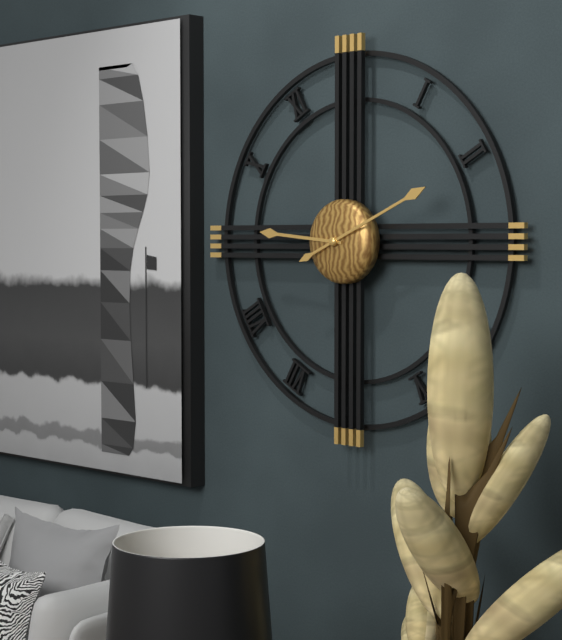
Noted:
9:11
